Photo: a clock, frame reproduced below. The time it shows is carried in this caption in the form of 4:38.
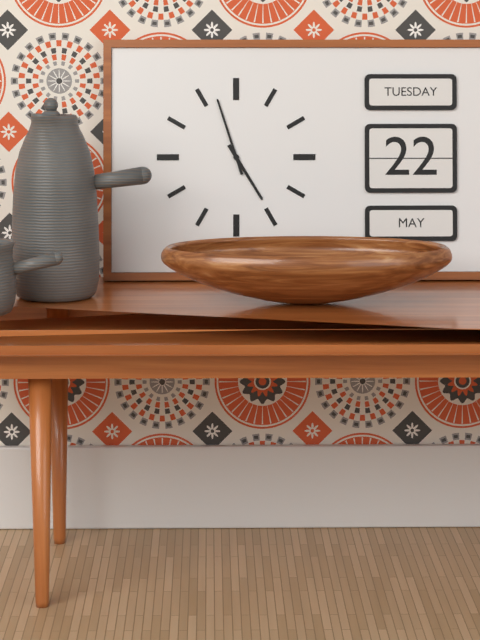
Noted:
4:57
